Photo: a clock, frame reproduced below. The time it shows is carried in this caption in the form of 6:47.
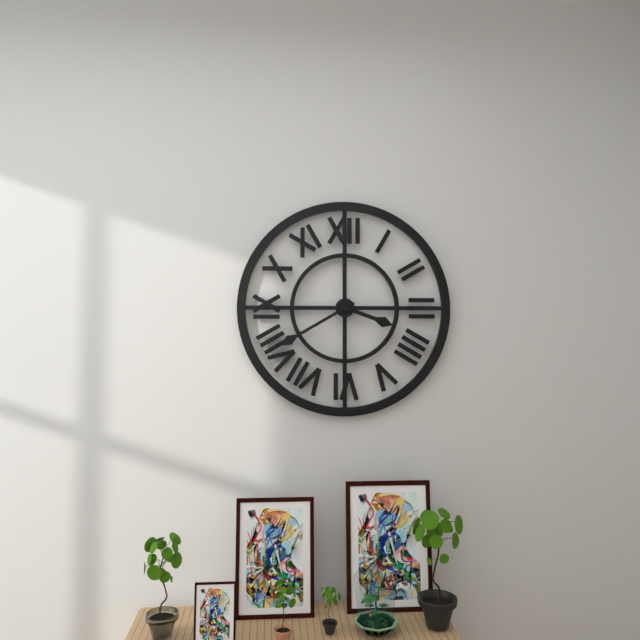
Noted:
3:40
